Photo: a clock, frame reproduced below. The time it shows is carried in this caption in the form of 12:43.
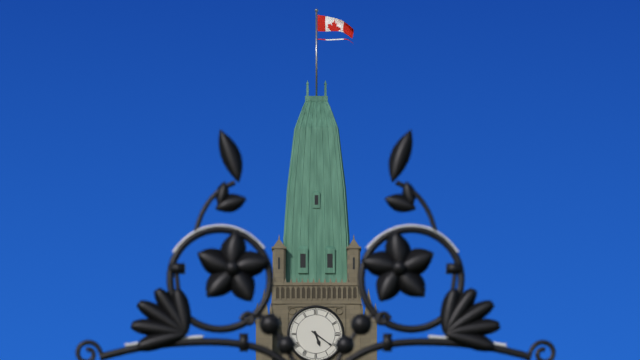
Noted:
5:21
